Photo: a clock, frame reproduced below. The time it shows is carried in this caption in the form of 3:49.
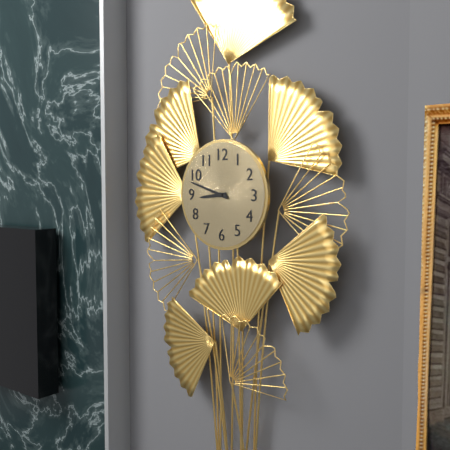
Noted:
8:48
